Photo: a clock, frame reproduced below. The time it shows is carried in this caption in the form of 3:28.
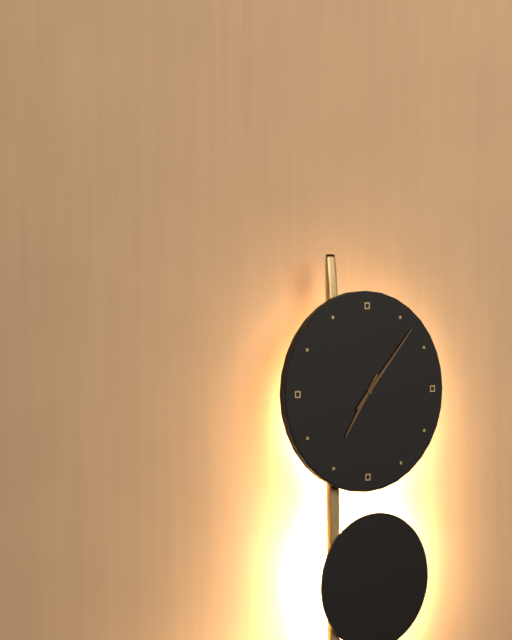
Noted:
7:07
